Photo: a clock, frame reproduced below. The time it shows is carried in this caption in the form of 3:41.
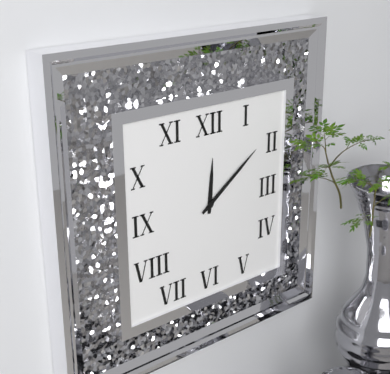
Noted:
12:09
